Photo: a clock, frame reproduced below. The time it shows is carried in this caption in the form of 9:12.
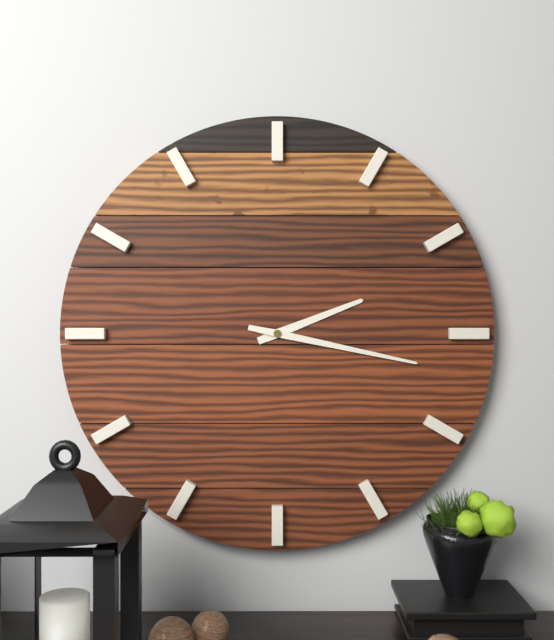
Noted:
2:17
